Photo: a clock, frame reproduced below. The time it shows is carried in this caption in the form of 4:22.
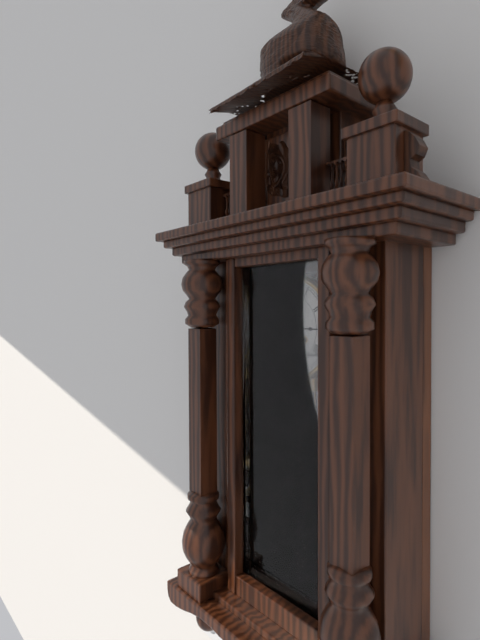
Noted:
10:15
